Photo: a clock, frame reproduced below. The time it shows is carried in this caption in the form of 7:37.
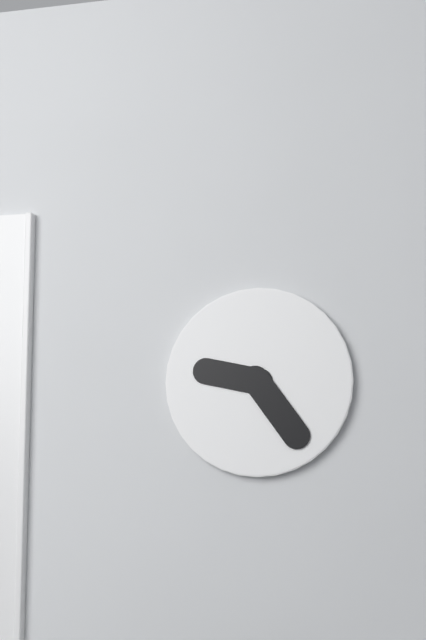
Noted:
9:24
